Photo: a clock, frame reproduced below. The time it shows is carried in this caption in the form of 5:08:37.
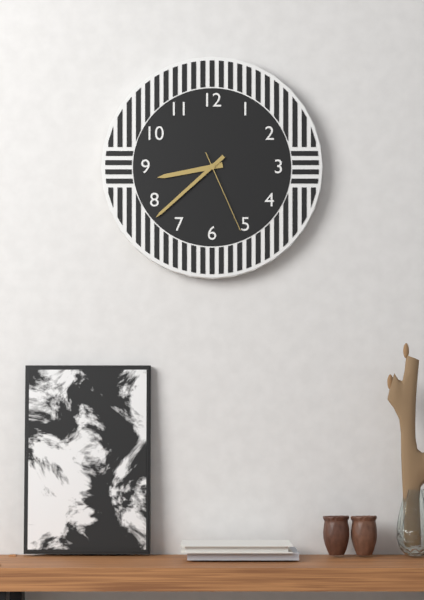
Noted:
8:38:26
